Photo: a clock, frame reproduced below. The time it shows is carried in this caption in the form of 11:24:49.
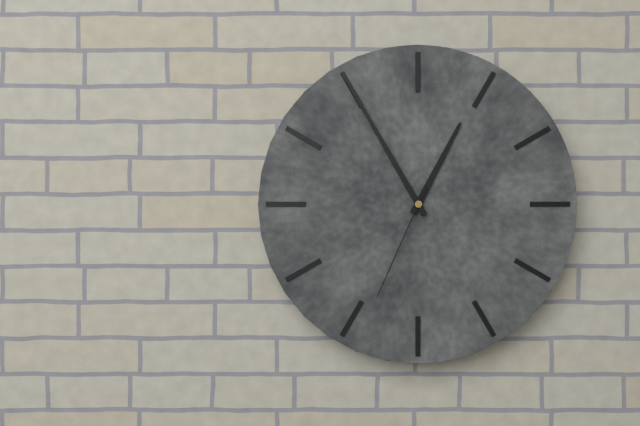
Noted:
12:55:34
